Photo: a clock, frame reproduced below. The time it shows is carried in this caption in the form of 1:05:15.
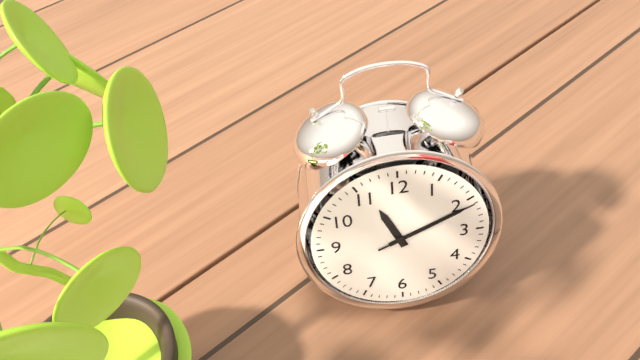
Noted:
11:11:11
